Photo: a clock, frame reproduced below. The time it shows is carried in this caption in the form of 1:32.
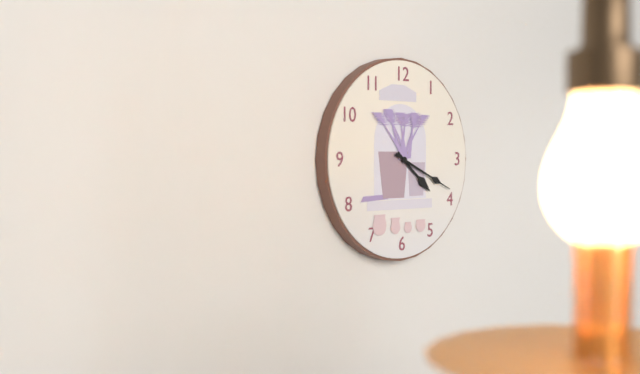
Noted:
4:19
